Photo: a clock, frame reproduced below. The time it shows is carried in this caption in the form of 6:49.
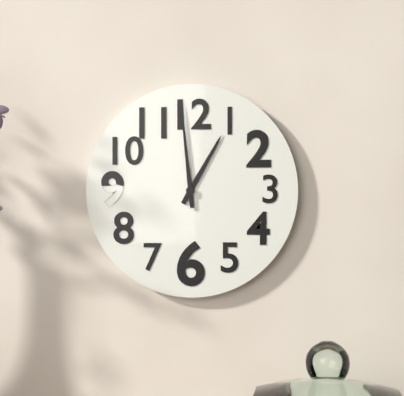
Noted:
12:59
